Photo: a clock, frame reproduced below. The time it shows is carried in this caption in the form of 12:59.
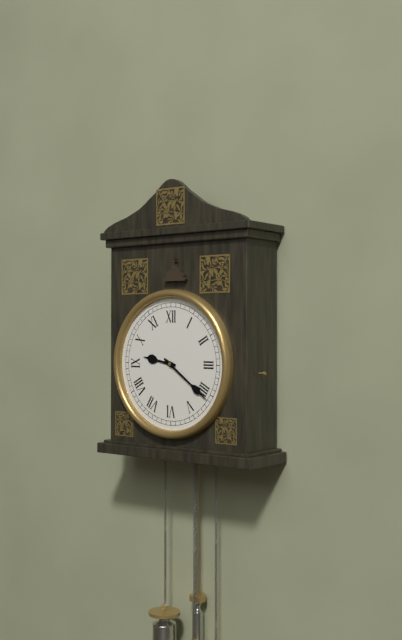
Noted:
9:21
